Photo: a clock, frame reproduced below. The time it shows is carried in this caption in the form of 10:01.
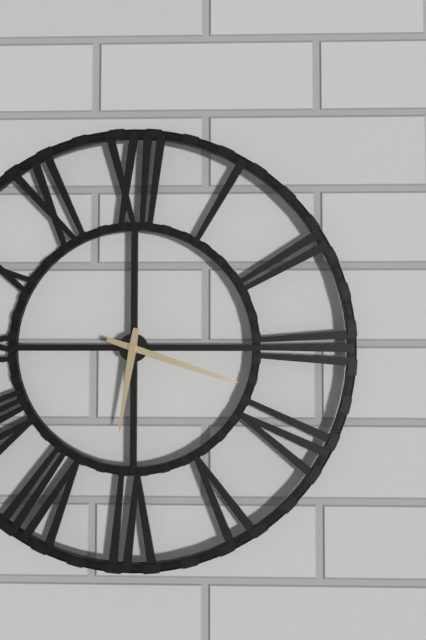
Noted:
6:18
